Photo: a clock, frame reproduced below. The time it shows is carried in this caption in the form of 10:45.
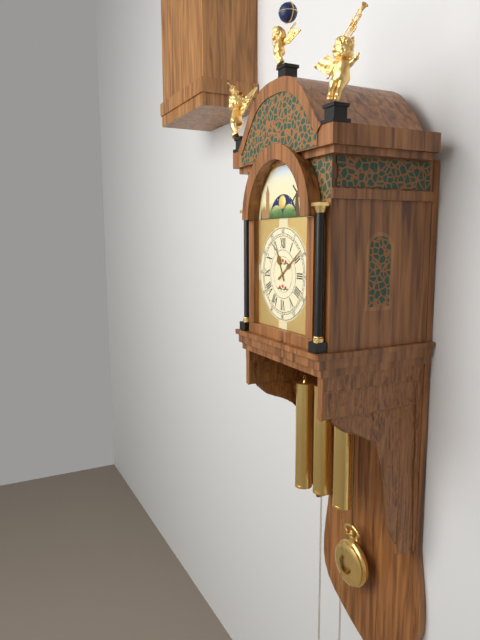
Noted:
11:09
